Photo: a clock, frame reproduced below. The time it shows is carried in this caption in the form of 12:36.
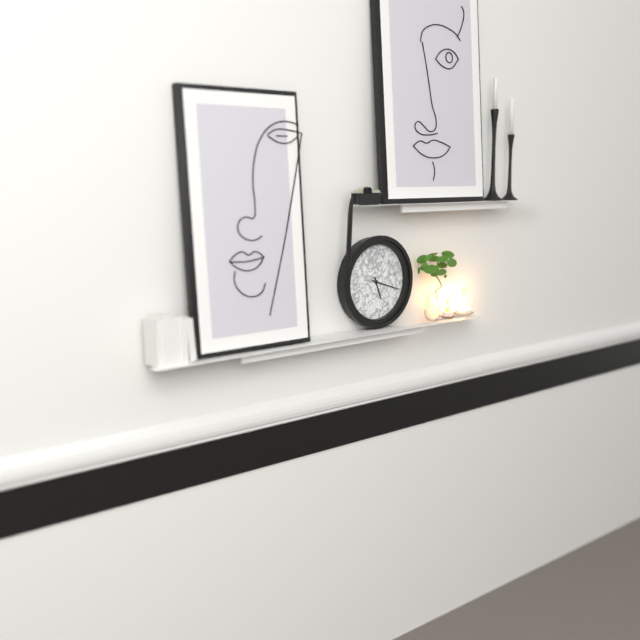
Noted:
5:18
